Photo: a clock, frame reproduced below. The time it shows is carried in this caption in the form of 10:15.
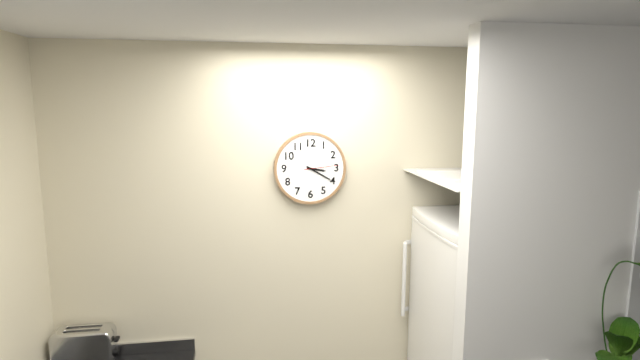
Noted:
3:20
